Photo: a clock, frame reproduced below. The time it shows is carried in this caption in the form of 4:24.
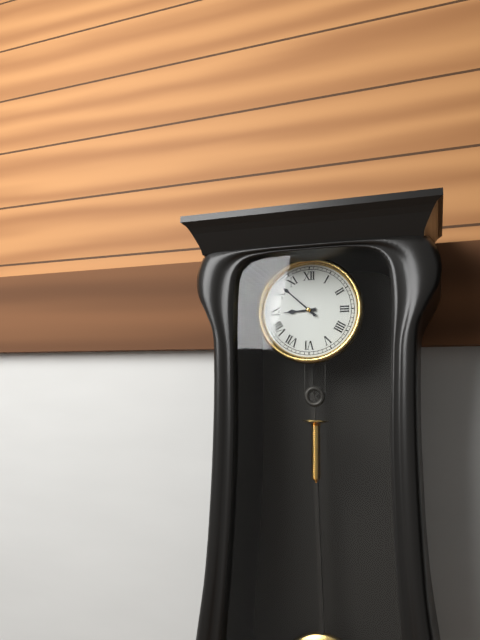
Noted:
8:52
